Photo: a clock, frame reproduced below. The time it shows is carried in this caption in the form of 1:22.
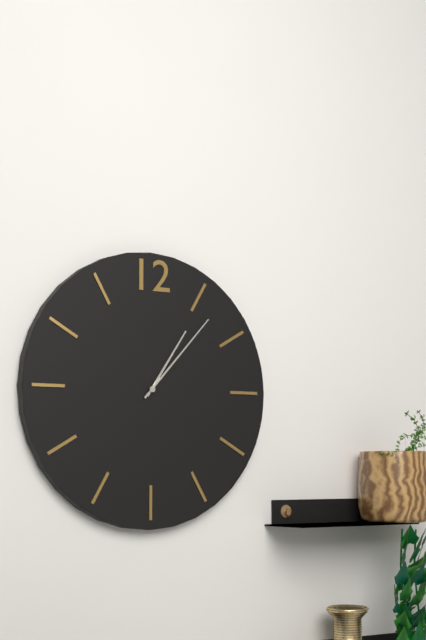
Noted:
1:07
